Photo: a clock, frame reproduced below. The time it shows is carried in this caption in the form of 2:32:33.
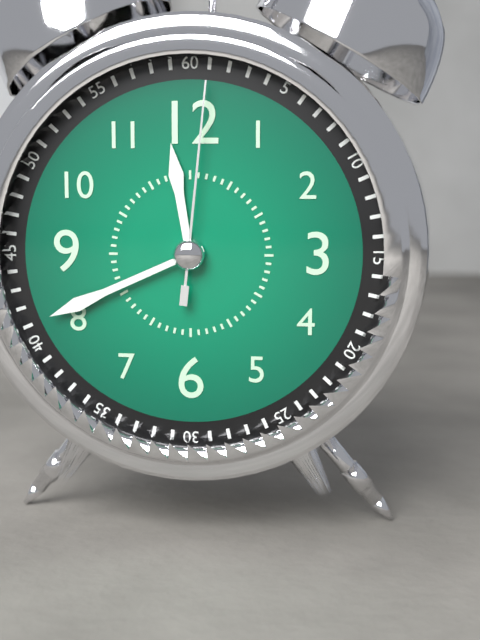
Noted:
11:41:01
